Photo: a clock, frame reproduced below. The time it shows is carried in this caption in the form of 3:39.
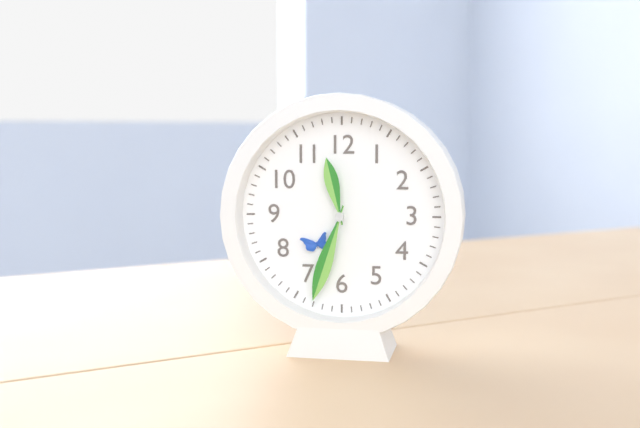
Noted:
11:33
